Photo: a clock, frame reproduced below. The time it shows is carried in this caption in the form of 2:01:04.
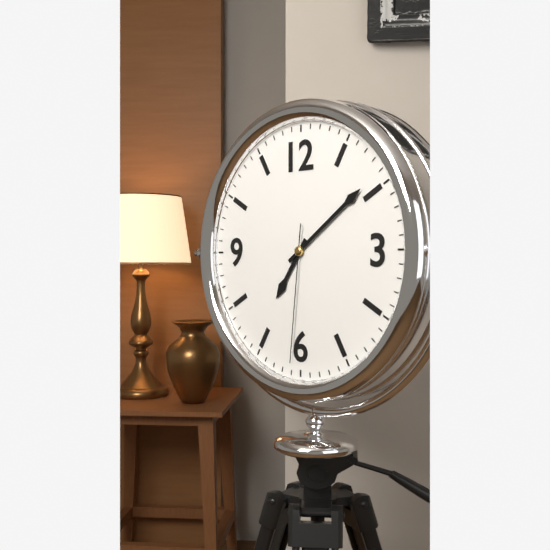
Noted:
7:09:31
